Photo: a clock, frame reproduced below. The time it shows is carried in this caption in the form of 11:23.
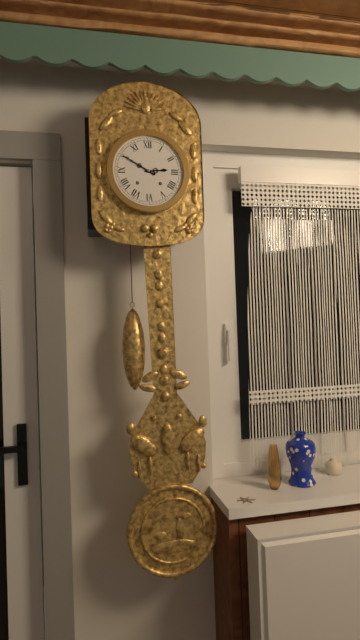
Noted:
2:50
